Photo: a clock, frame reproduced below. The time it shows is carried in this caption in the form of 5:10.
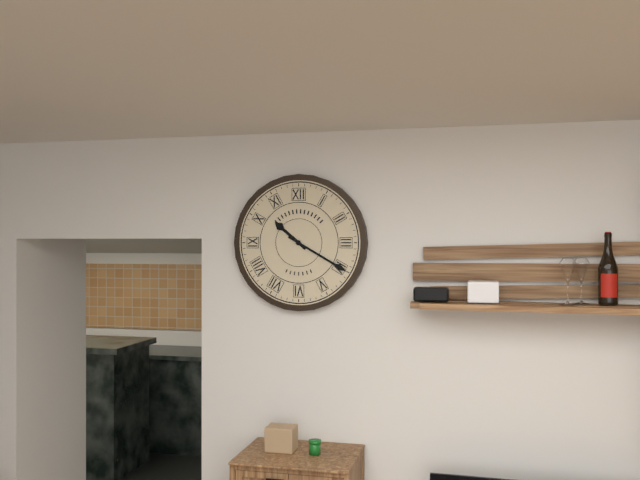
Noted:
10:20
